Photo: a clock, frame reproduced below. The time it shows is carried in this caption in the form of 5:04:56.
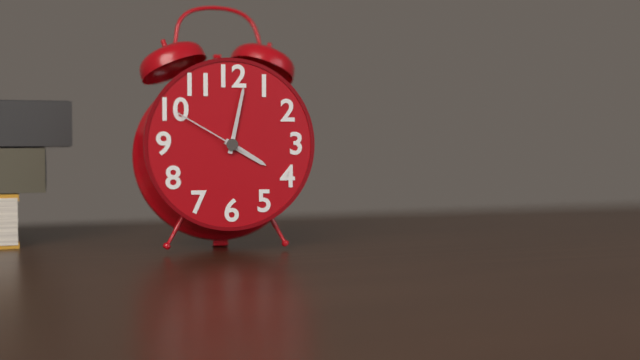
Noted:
4:02:50
